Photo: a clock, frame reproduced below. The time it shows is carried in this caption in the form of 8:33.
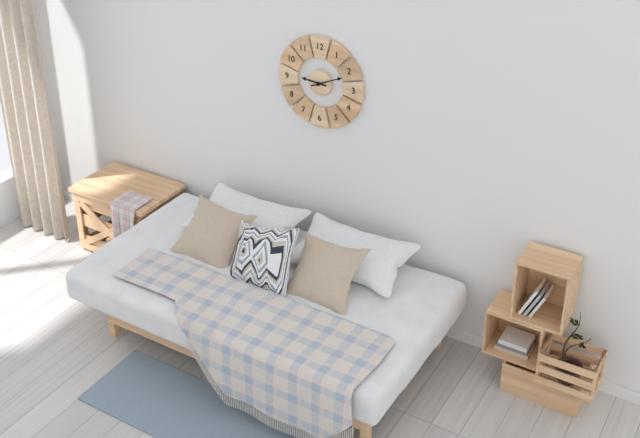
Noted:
9:11
